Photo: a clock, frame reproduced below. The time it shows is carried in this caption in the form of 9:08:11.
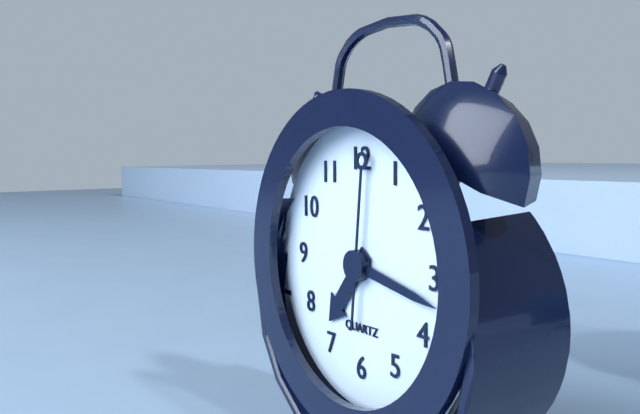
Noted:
7:17:01
